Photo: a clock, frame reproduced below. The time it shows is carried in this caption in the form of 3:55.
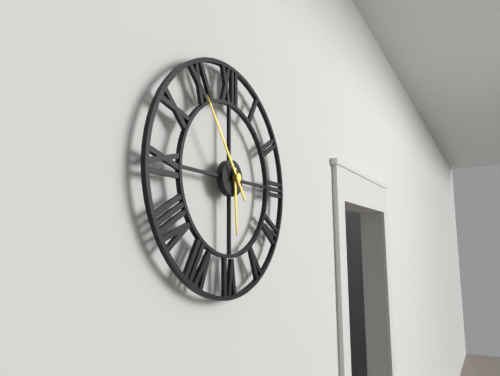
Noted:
5:54
